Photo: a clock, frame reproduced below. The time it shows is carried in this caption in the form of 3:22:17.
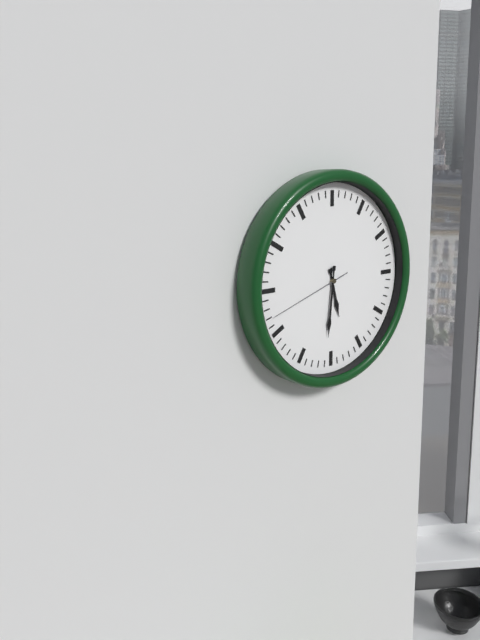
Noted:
5:31:42
